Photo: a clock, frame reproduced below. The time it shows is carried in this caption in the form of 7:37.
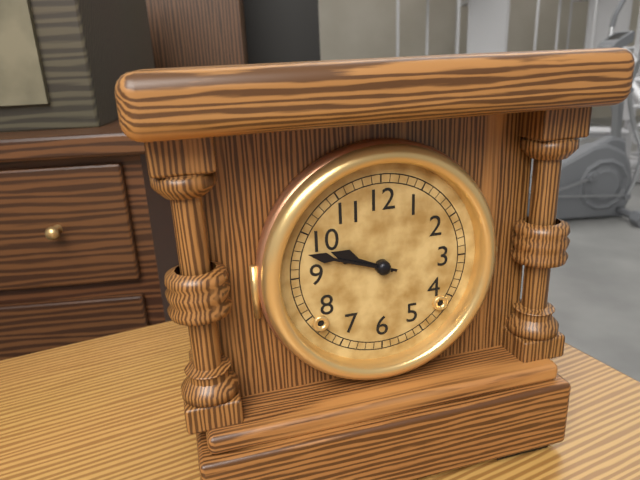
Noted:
9:48
